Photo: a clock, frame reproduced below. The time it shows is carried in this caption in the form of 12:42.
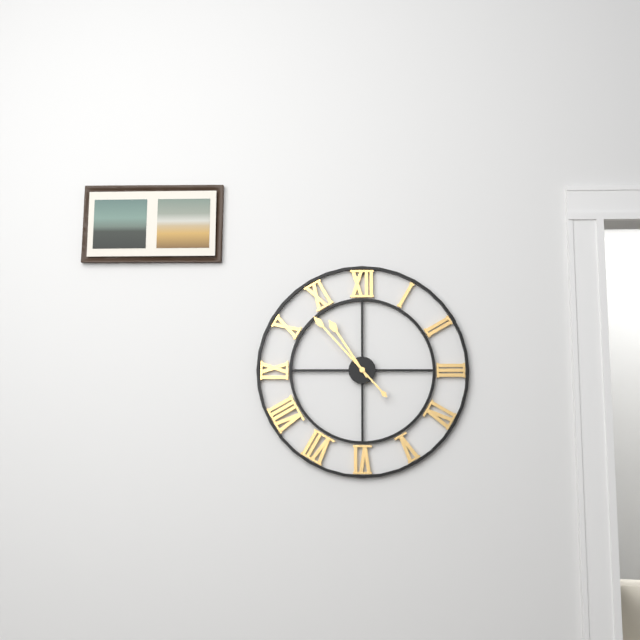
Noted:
10:53
